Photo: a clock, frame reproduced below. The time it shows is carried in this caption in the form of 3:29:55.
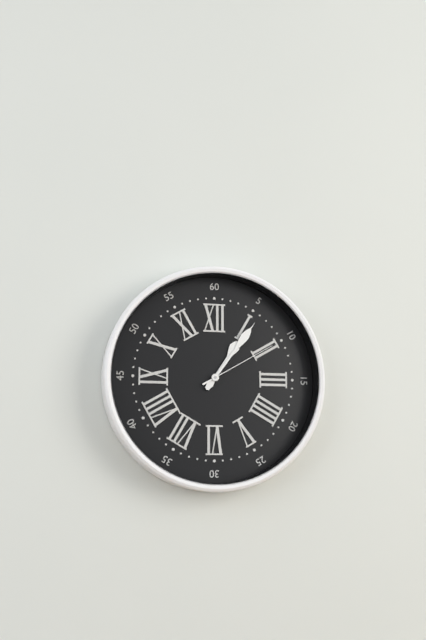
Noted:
1:06:10
